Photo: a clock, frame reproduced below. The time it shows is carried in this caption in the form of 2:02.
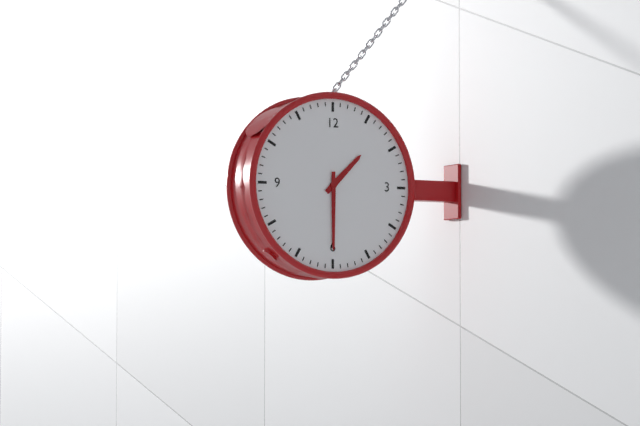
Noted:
1:30
